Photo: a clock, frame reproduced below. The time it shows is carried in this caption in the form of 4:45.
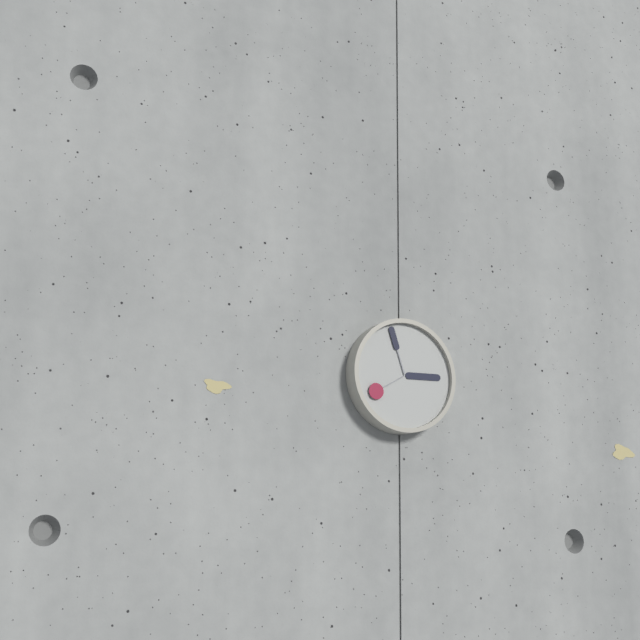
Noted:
2:57
